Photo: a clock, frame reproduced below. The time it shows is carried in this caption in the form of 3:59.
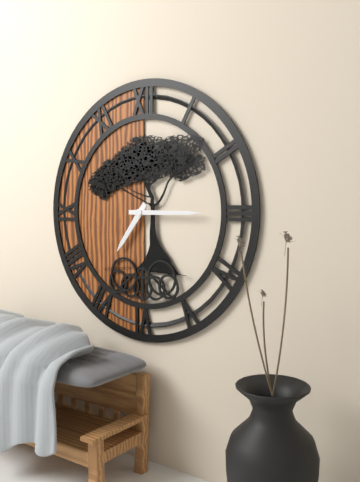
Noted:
7:15
